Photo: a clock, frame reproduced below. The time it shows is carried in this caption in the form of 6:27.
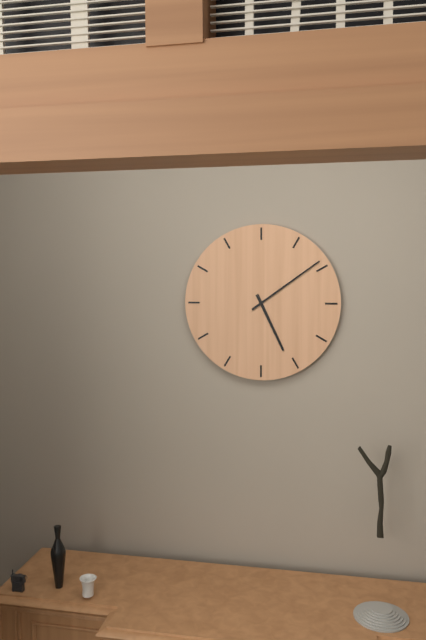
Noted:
5:09
